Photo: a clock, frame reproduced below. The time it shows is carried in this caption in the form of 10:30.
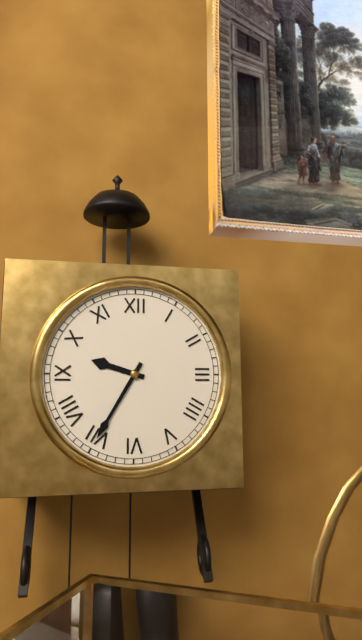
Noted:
9:35
